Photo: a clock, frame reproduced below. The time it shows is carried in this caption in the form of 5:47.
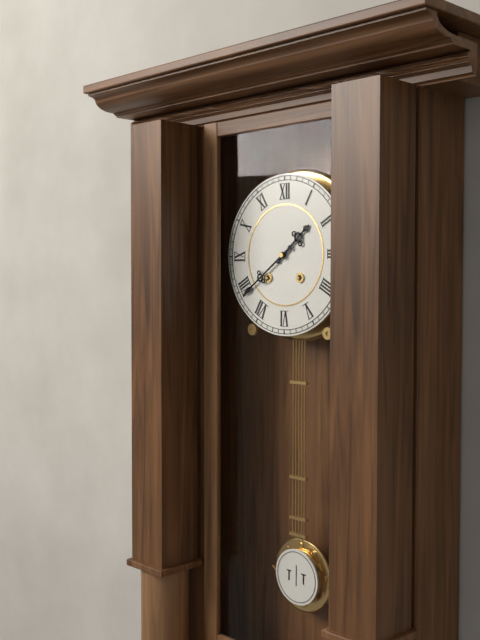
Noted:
1:39
